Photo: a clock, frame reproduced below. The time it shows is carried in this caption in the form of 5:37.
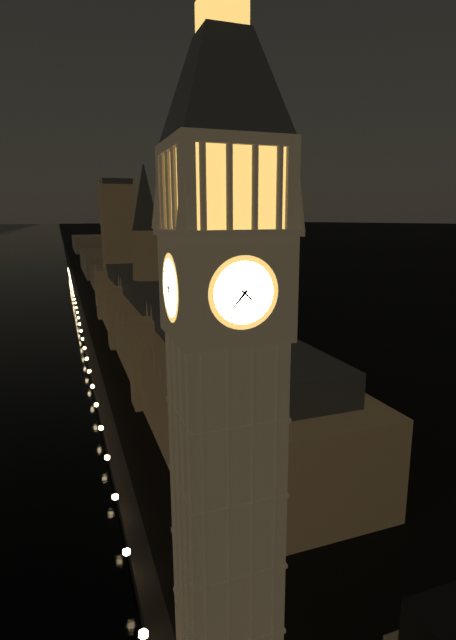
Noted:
7:22
